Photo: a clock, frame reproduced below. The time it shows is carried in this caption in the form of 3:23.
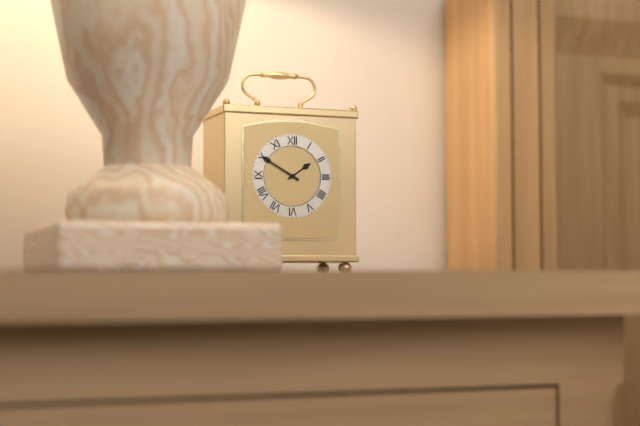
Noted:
1:50
